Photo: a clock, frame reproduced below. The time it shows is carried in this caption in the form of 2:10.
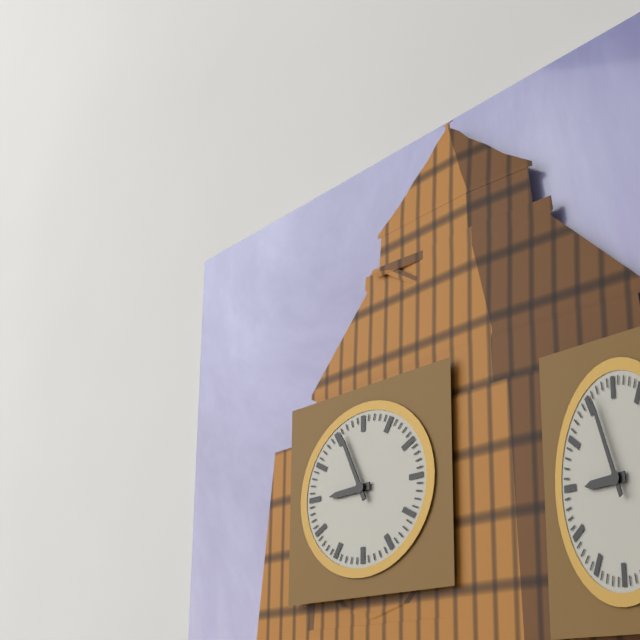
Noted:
8:56
